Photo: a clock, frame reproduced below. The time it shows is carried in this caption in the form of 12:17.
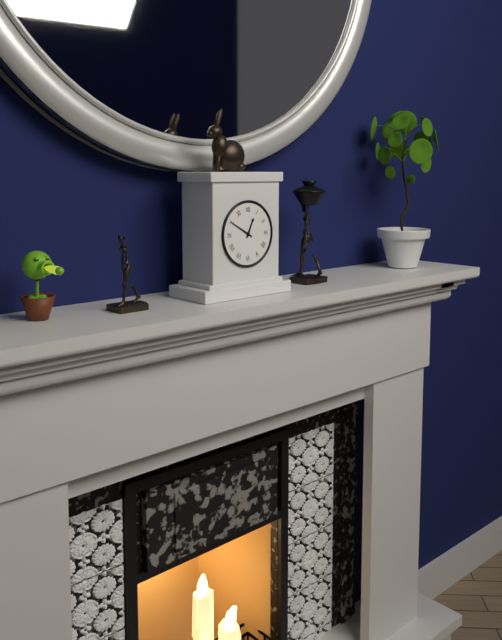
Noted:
12:50
